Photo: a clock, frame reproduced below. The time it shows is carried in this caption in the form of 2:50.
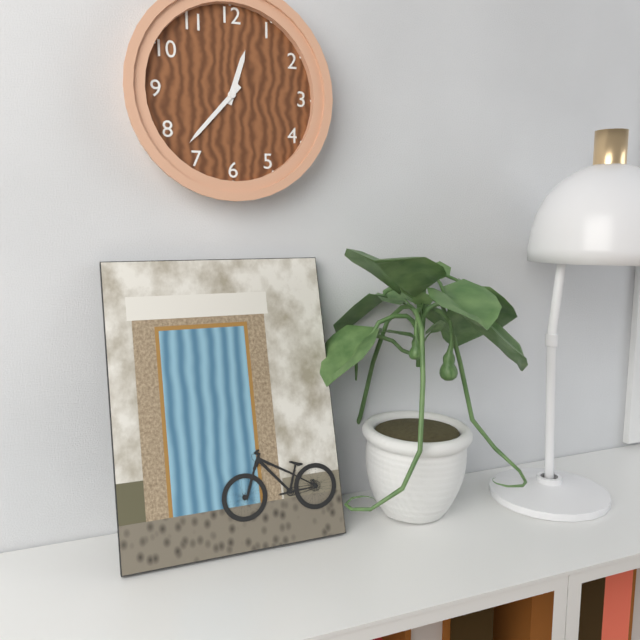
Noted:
12:37
